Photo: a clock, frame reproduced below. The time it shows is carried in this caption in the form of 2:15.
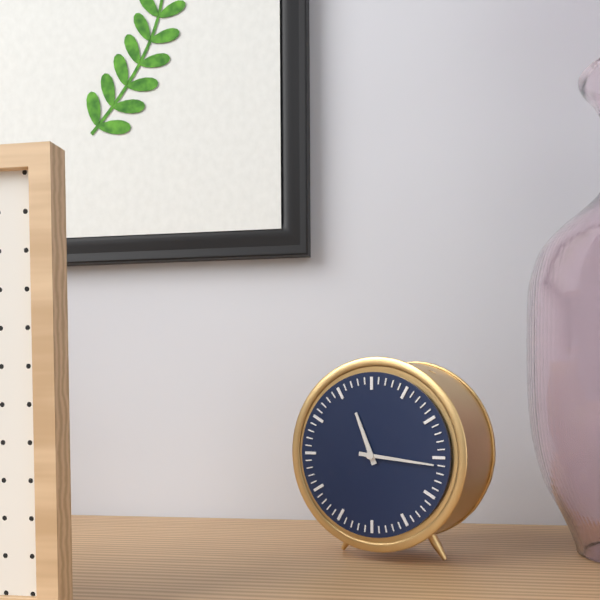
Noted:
11:16
